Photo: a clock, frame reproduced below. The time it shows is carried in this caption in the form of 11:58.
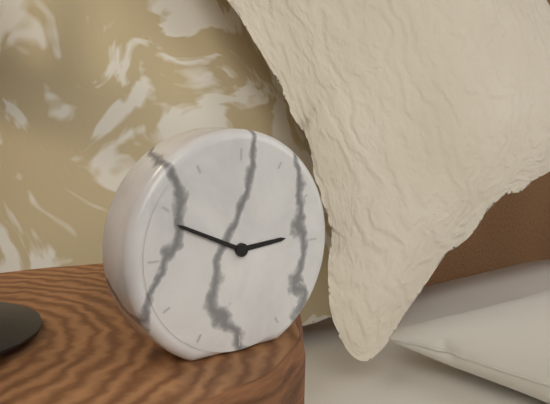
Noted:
2:49
